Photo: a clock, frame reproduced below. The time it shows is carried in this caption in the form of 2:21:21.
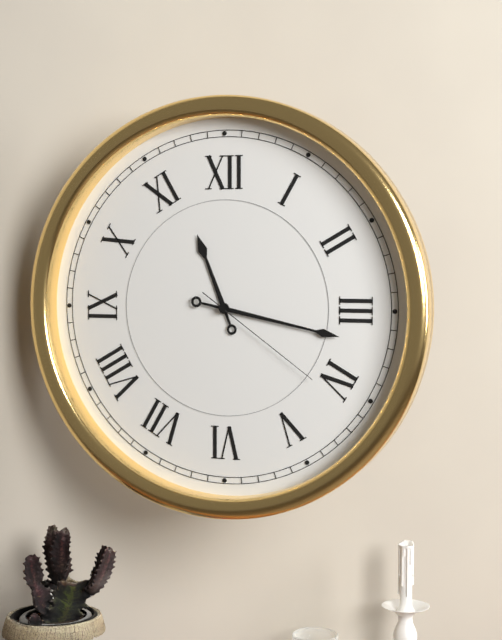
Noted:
11:17:21
